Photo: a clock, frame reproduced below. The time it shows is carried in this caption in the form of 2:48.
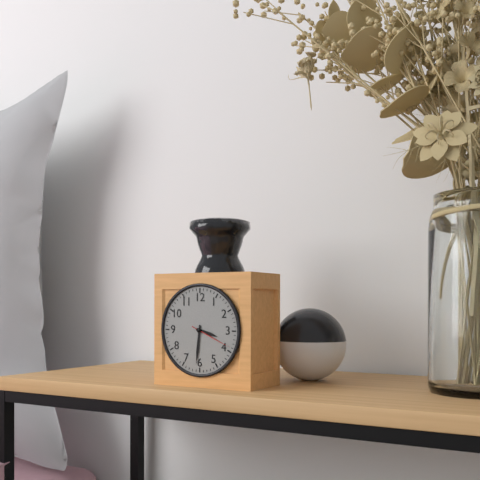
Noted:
3:31
